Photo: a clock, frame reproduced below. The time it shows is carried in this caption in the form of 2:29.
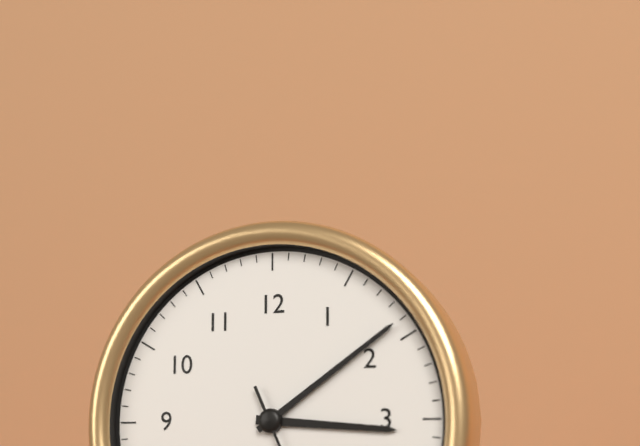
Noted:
3:09
